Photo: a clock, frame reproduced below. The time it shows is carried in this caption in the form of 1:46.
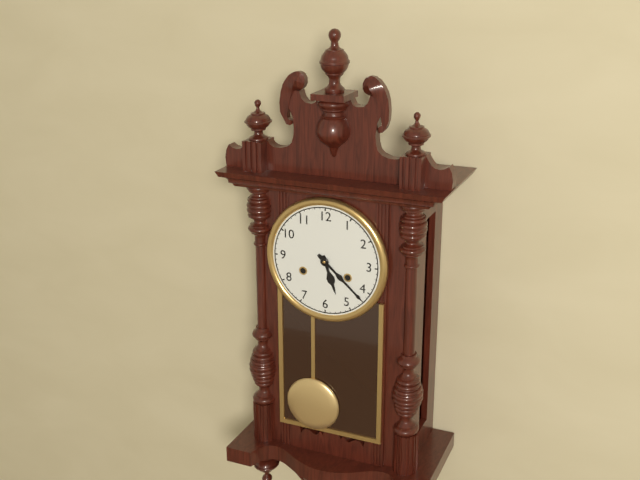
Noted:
5:22
